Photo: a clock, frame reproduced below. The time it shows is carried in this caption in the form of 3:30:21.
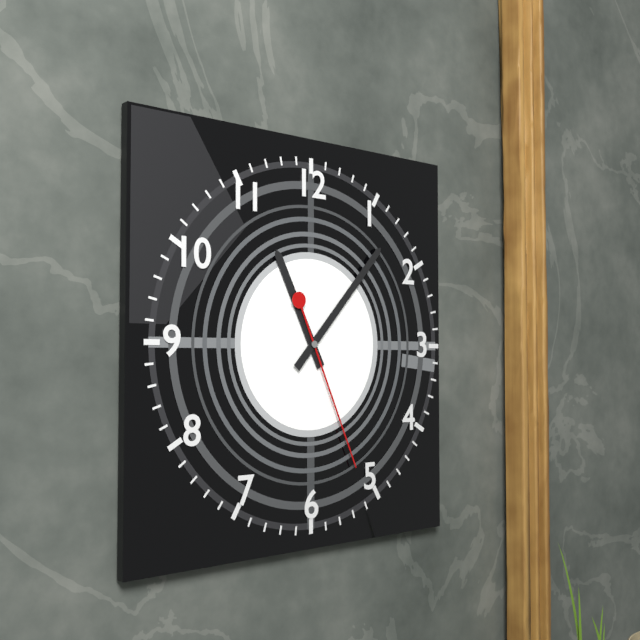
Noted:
11:07:26
